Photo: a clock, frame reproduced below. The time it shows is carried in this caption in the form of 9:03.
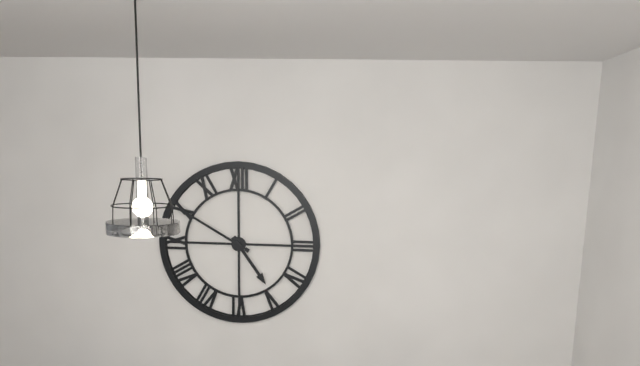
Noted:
4:50
